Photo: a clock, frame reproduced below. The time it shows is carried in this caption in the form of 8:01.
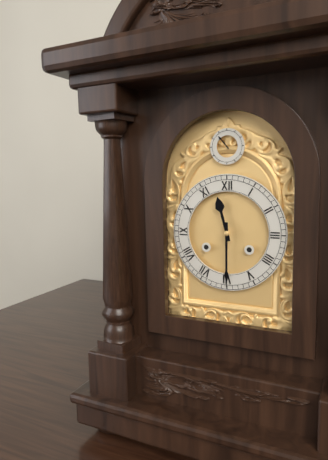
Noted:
11:30
